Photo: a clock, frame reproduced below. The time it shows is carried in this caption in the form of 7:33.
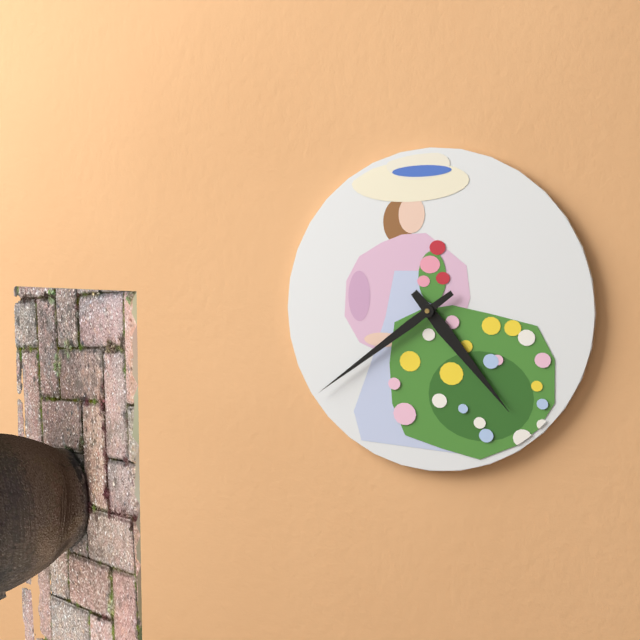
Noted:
4:39
